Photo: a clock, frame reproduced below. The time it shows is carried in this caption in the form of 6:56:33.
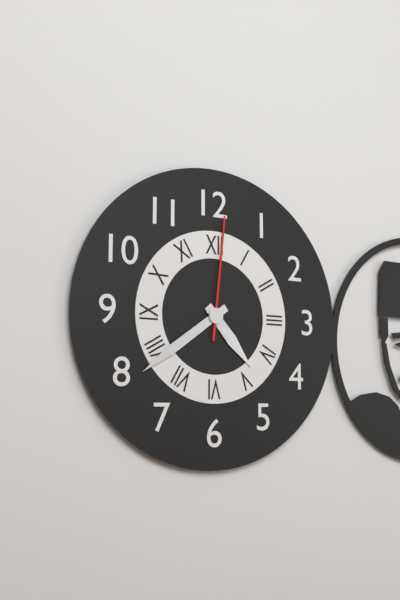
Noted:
4:39:01
